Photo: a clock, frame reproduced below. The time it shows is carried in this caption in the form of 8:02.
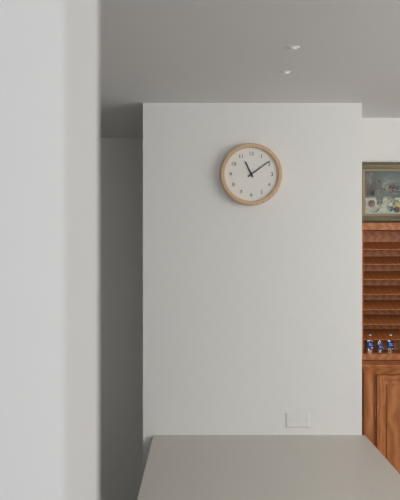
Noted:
11:09
